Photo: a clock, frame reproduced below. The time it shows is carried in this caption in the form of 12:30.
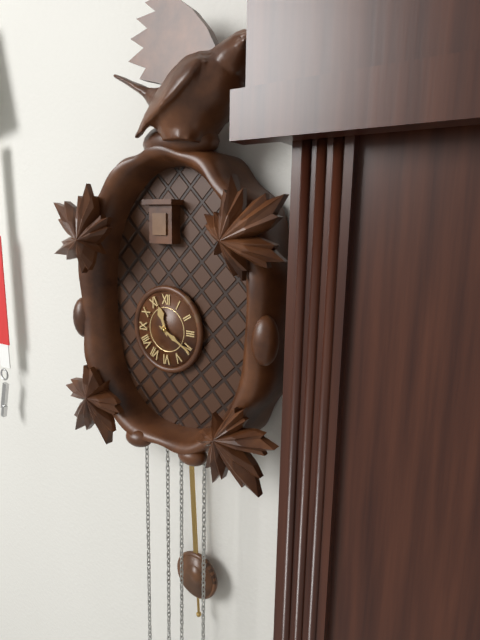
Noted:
11:20
